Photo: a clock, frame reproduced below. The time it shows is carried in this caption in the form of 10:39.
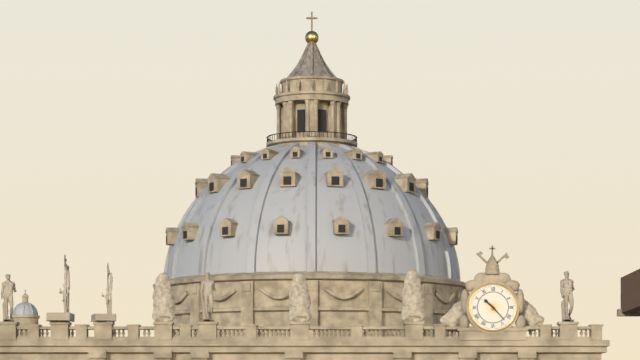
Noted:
10:23
